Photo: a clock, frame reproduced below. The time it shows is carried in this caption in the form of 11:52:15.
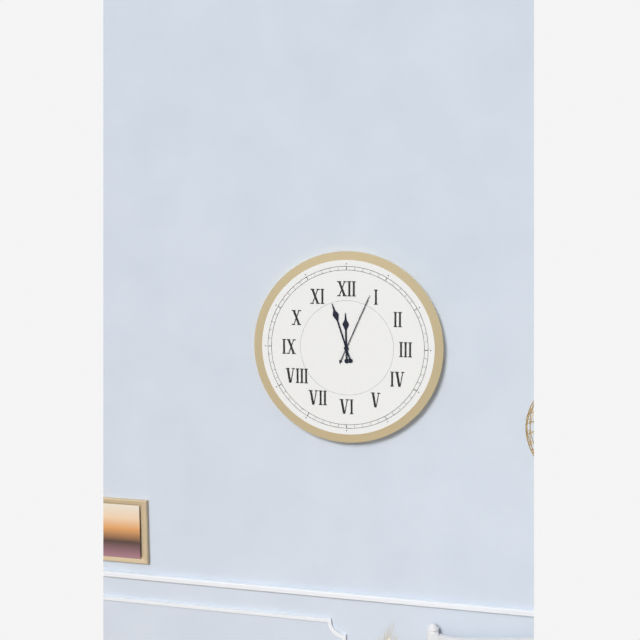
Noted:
11:57:04
